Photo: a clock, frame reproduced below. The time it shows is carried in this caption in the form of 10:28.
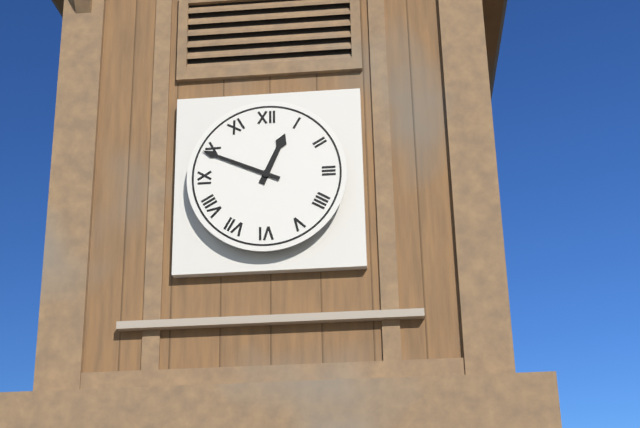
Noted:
12:49
